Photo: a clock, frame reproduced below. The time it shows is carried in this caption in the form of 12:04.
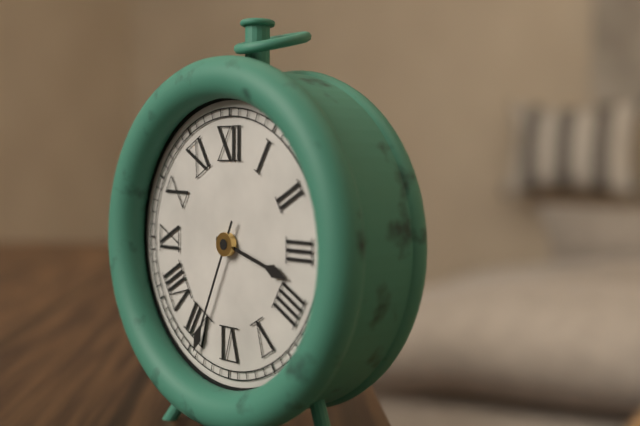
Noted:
3:34
